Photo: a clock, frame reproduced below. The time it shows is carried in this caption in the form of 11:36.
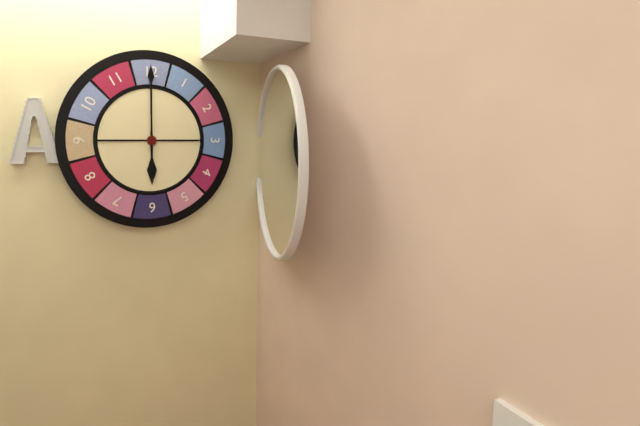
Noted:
6:00
